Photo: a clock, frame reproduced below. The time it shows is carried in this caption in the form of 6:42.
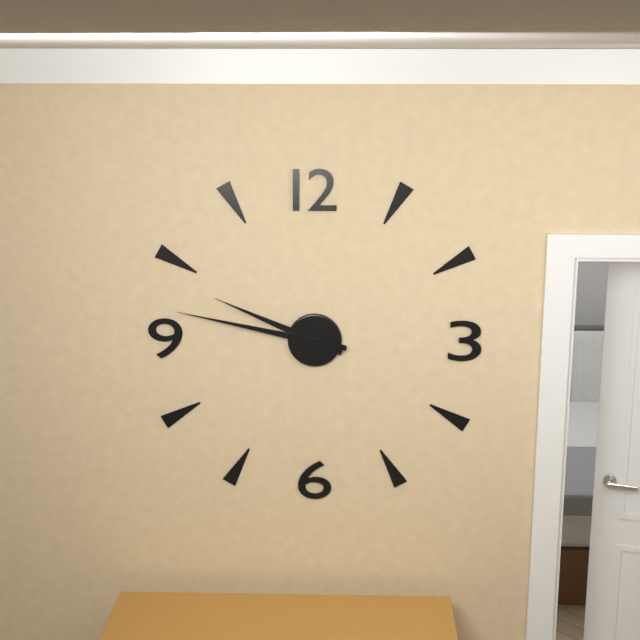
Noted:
9:47
